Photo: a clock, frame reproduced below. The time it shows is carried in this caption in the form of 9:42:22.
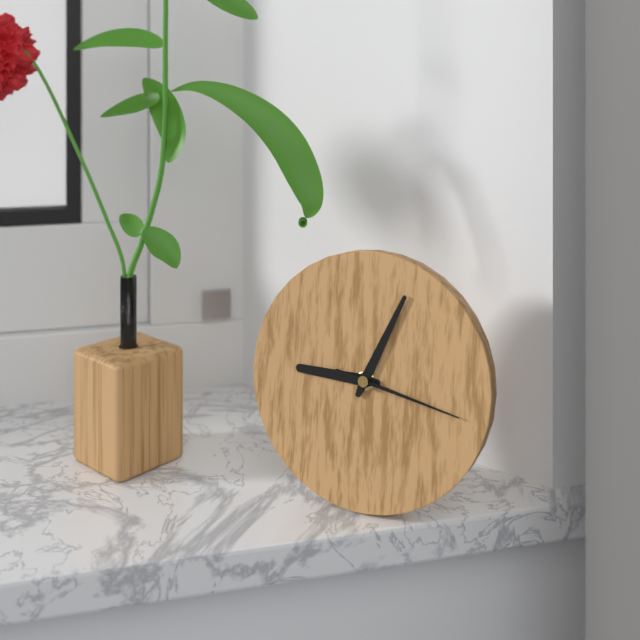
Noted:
9:04:17
